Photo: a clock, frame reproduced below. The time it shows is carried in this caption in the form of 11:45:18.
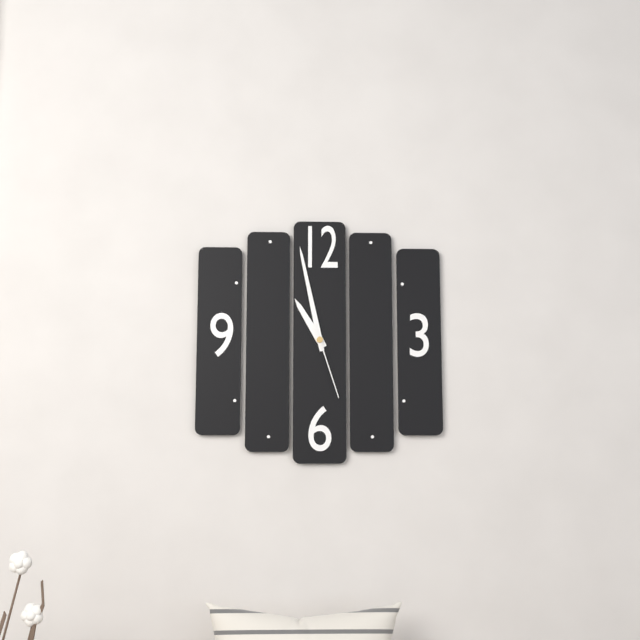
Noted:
10:58:27
